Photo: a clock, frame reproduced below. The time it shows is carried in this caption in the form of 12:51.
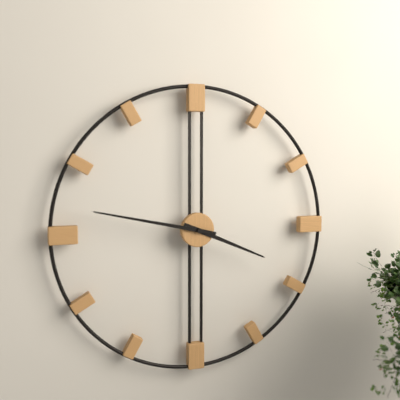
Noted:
3:47
